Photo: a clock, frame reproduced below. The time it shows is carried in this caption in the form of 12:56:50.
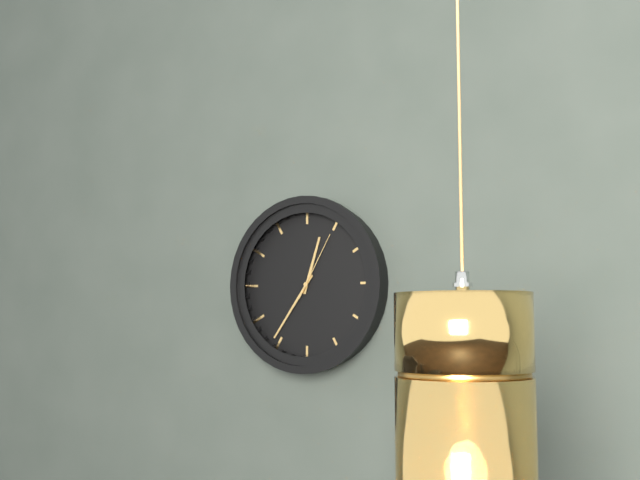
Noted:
12:36:05
